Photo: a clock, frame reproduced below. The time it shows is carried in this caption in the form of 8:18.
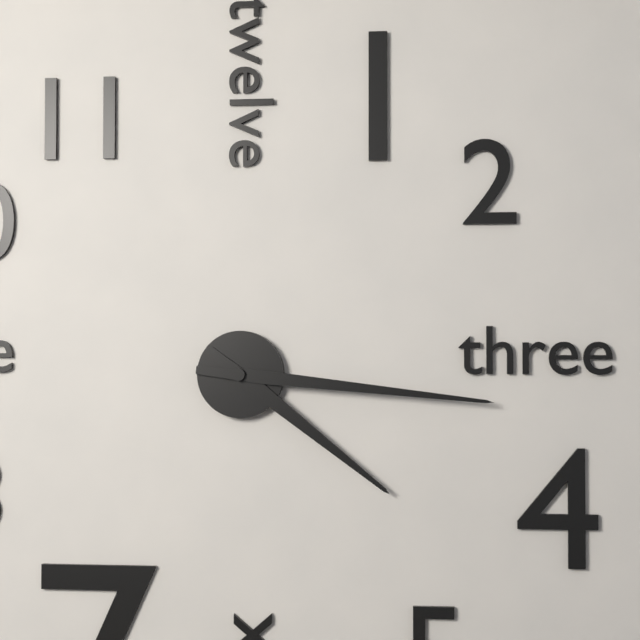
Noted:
4:16
